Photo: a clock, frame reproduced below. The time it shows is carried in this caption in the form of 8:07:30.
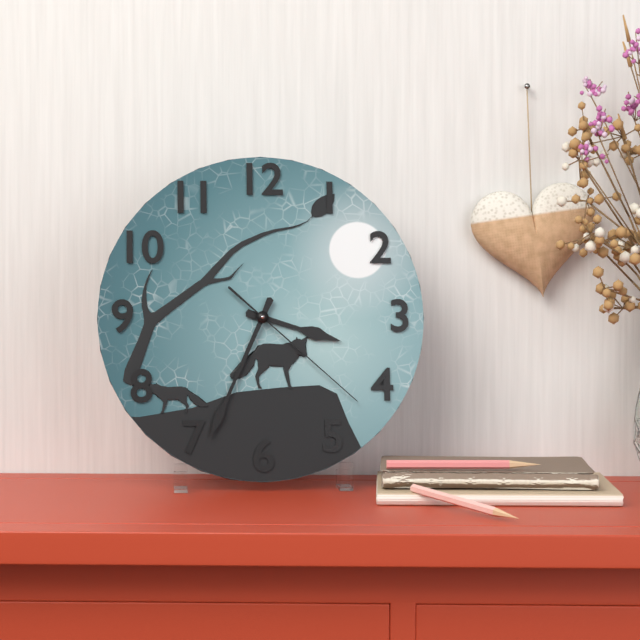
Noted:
3:34:22
